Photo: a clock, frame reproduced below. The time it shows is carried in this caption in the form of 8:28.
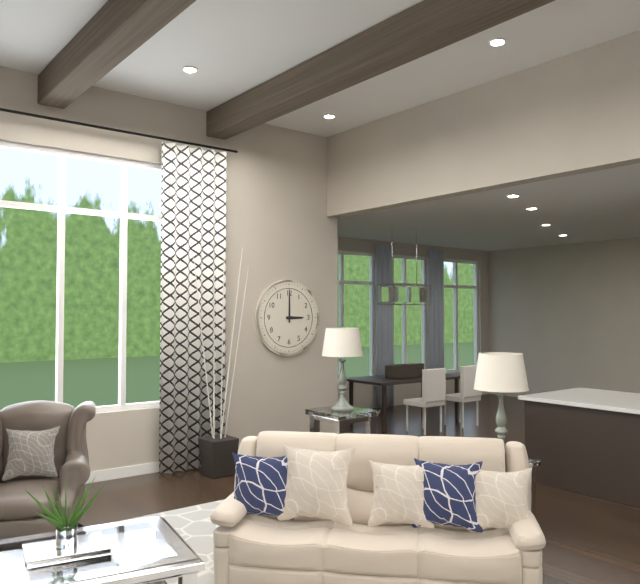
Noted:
3:00
